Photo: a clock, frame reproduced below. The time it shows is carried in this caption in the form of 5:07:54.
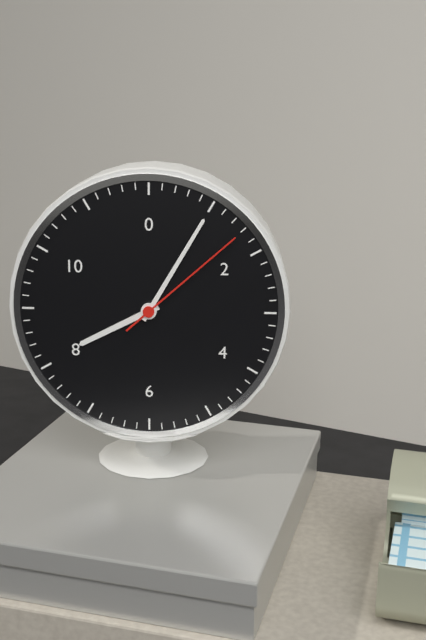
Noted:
8:05:08
